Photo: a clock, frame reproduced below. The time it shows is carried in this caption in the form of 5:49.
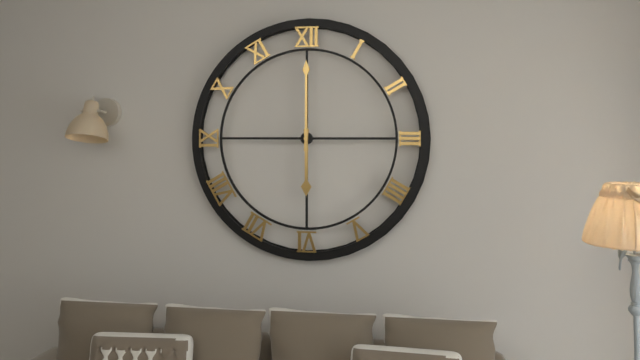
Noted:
6:00
